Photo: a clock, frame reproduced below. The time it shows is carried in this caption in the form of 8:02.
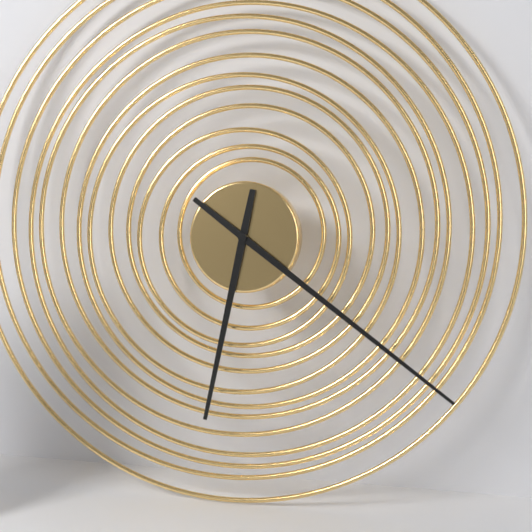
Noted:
6:21
